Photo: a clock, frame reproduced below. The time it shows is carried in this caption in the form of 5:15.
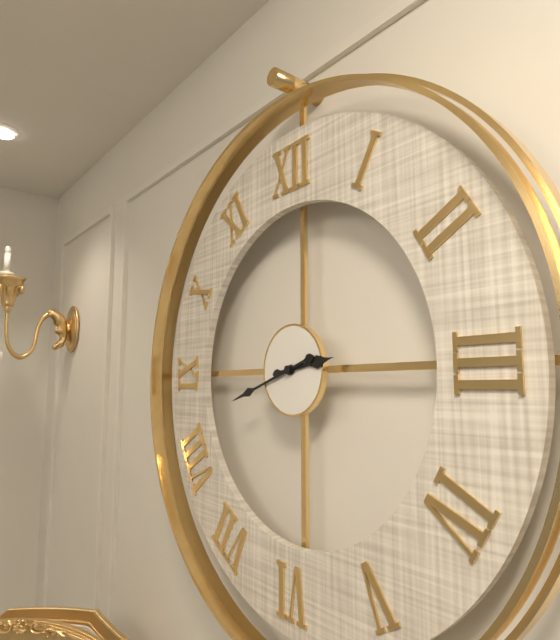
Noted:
2:42
